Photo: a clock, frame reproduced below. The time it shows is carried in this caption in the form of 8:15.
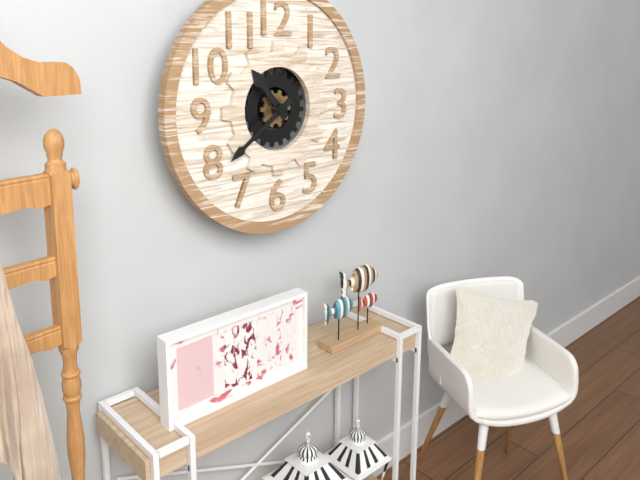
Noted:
10:39
